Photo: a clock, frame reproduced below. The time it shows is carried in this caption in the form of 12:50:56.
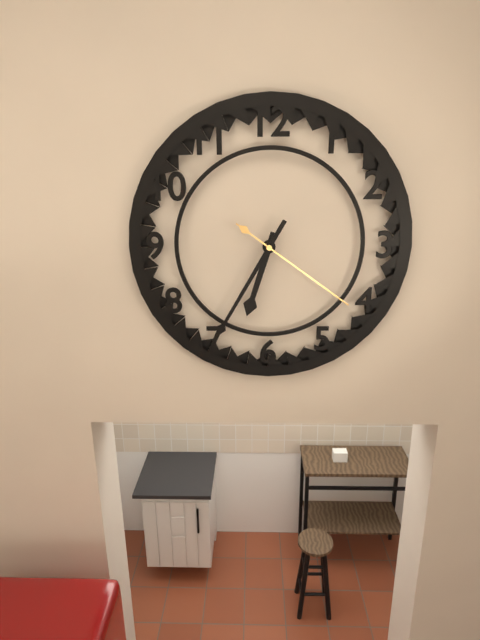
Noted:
6:35:21
